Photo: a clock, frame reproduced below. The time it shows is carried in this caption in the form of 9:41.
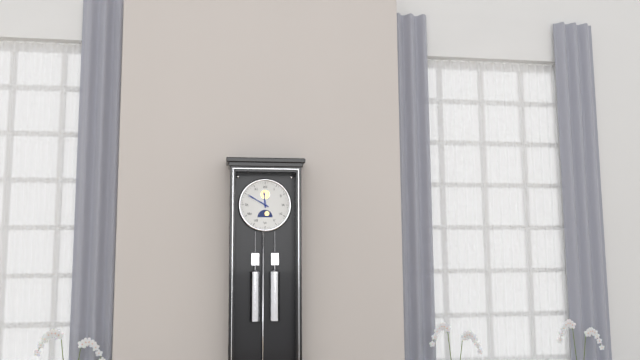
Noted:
11:50
